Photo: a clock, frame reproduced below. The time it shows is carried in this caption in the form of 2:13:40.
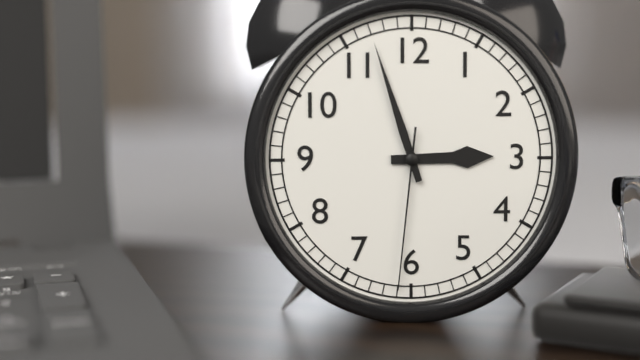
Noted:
2:57:31
